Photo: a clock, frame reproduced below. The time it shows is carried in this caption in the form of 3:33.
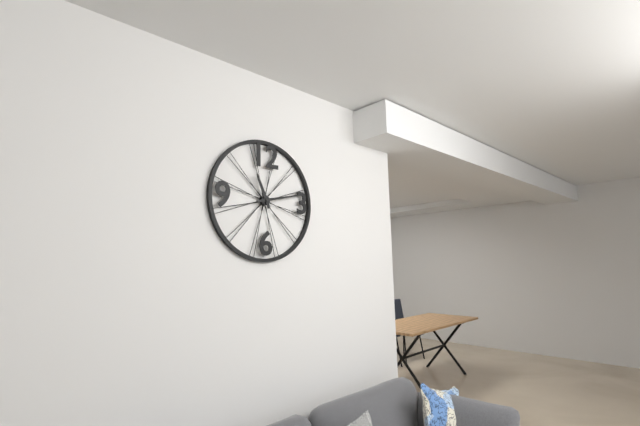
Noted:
11:13
